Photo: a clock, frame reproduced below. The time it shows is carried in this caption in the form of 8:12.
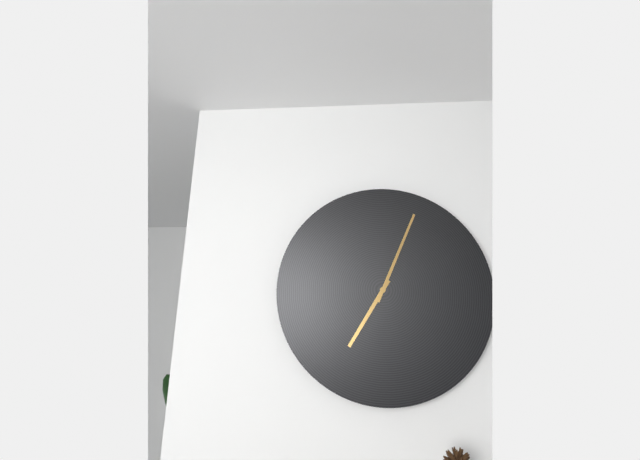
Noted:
7:04
